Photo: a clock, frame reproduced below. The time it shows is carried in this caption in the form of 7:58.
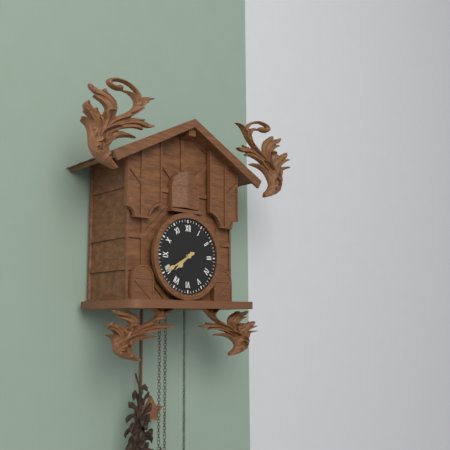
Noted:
7:40
